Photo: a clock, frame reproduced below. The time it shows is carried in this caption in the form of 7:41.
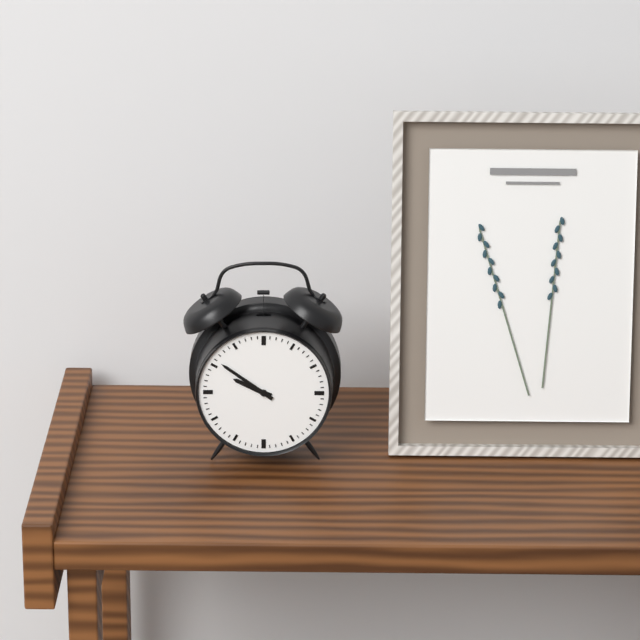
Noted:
9:51
